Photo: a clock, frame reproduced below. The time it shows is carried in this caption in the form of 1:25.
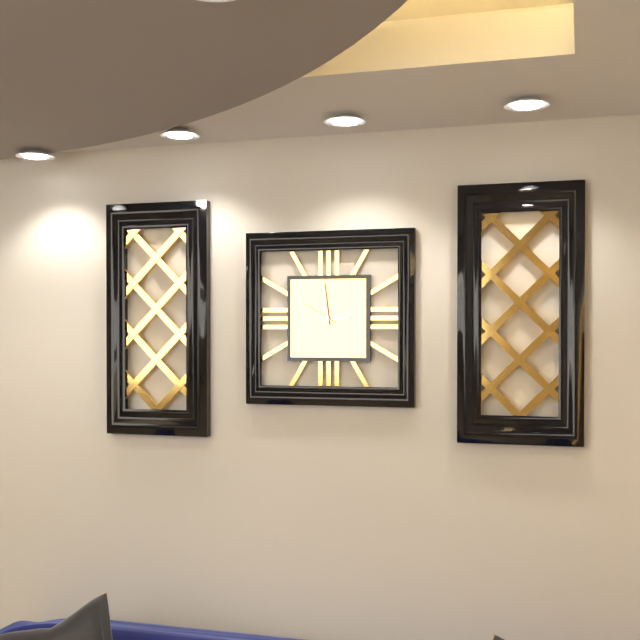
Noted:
2:59
